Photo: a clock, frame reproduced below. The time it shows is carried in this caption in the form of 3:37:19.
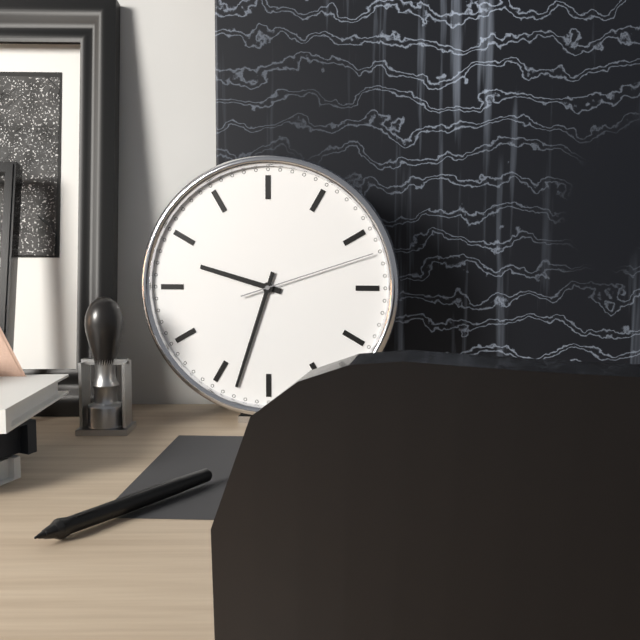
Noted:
9:33:12
